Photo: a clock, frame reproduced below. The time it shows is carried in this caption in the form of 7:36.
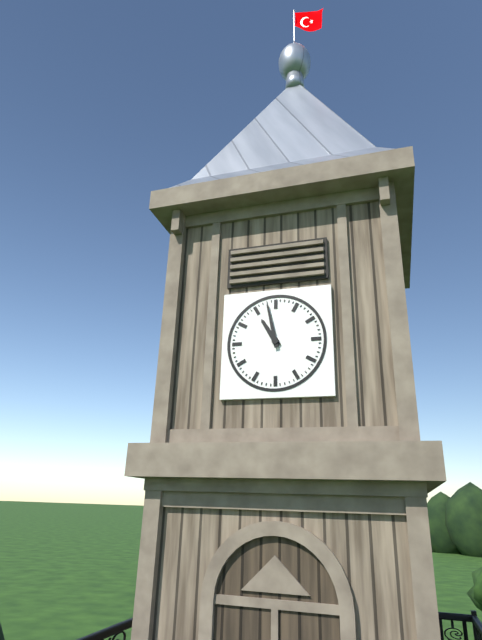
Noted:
10:58
